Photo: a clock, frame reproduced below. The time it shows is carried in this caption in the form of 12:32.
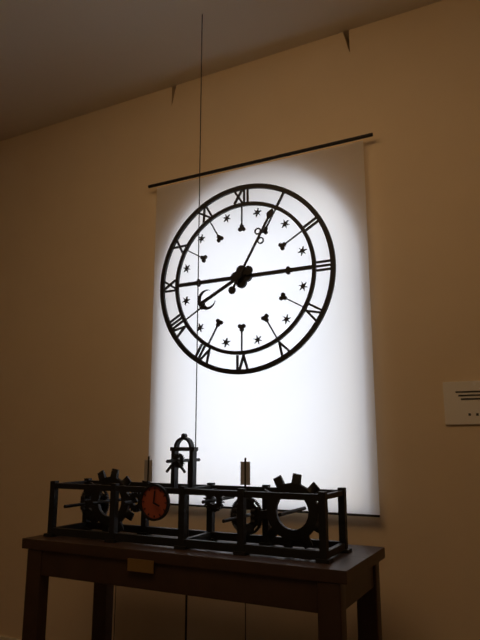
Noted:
8:05
